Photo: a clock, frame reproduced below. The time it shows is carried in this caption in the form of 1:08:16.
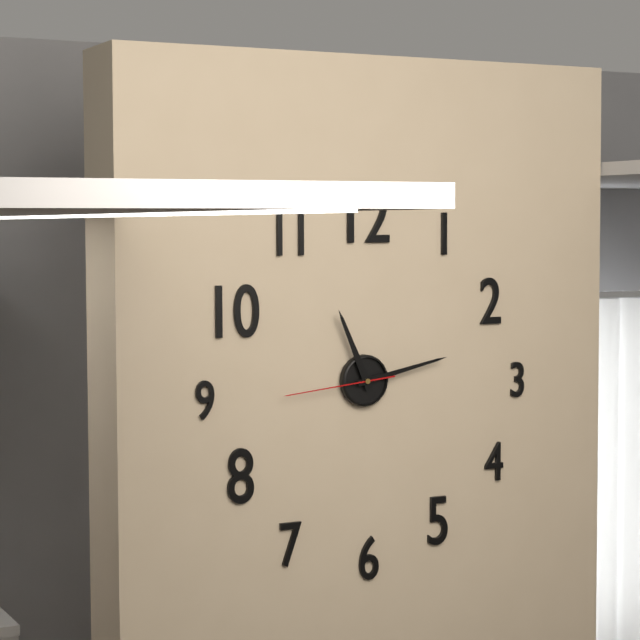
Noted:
11:13:44
